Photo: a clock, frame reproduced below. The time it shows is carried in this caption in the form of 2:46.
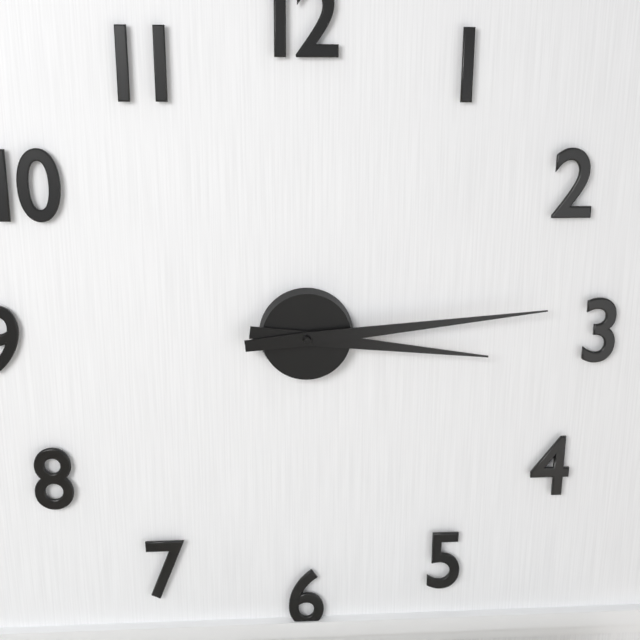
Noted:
3:14
